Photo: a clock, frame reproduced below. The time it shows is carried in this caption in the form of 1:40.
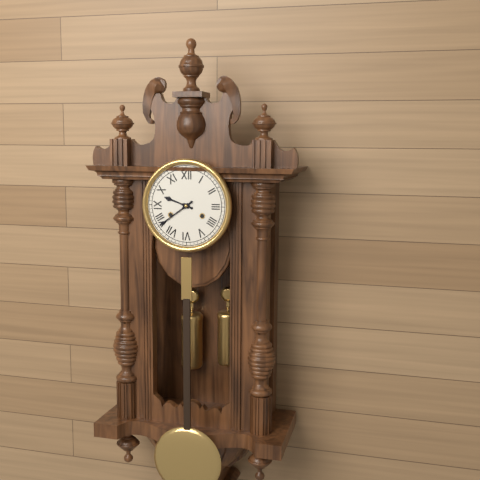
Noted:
9:39
